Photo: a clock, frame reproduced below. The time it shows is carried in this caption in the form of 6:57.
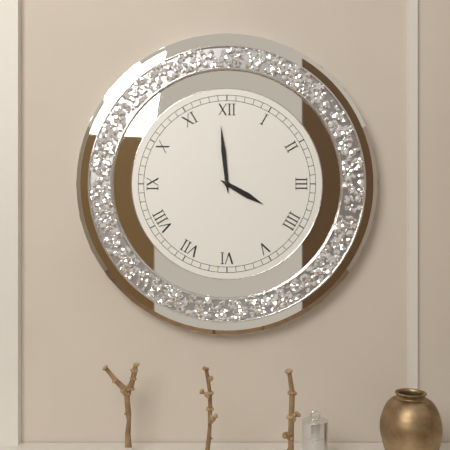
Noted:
3:59
